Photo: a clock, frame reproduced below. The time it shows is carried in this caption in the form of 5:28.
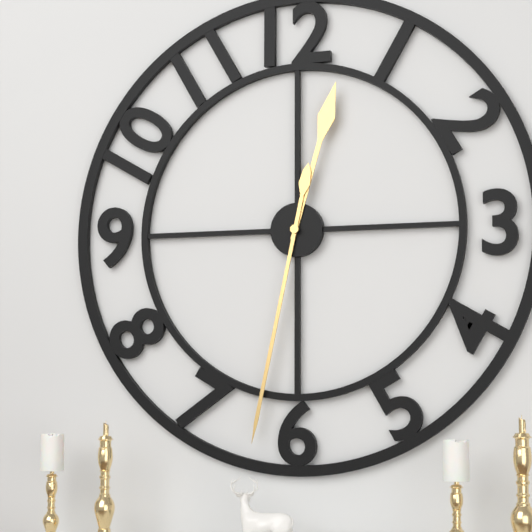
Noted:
12:32
